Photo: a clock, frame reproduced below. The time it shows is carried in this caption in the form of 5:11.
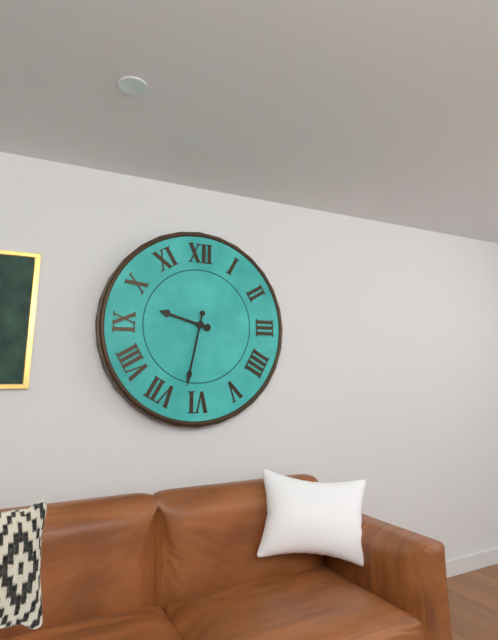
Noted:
9:32
